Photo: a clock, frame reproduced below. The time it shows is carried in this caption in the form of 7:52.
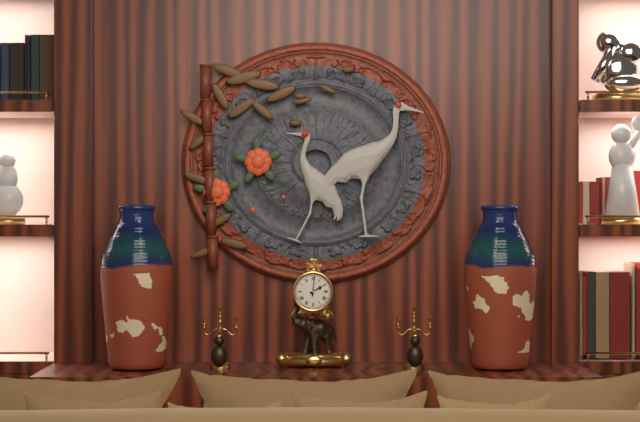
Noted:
2:01
